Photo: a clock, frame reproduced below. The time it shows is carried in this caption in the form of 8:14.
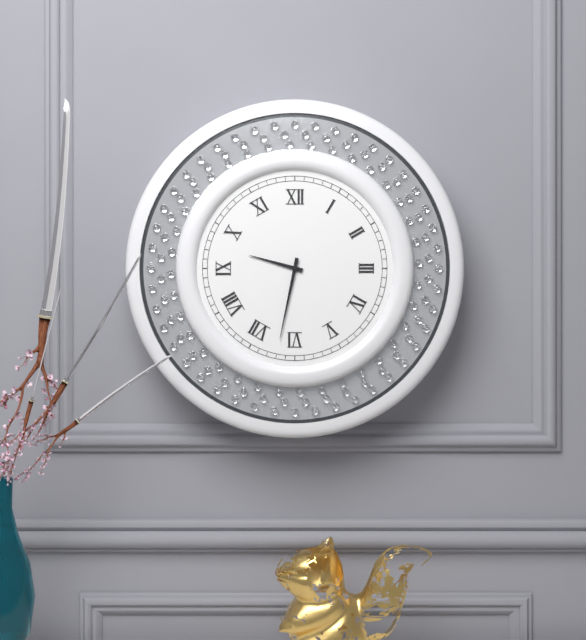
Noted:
9:32
